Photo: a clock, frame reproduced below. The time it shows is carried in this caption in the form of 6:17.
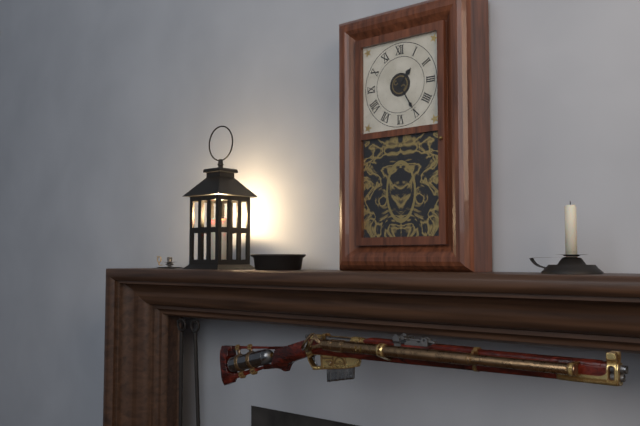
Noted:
1:25
